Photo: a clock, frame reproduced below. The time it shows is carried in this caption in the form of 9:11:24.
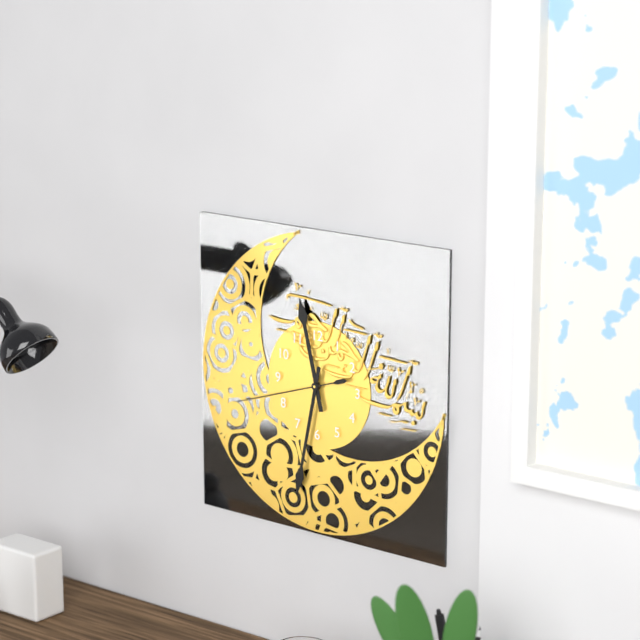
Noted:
11:32:42
